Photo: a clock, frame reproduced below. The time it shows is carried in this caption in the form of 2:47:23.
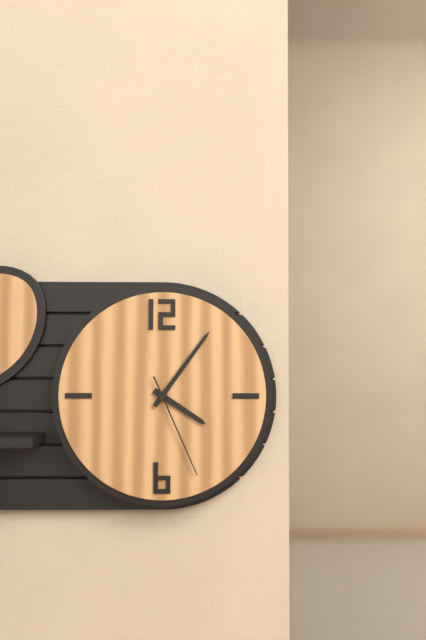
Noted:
4:06:26
